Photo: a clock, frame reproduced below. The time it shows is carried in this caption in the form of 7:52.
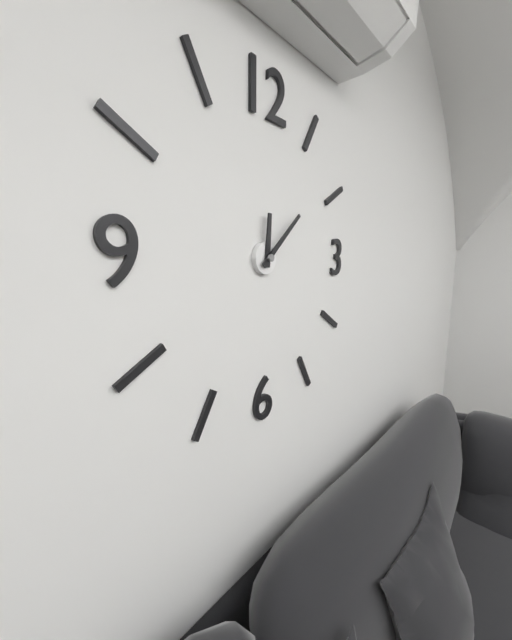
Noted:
12:08
